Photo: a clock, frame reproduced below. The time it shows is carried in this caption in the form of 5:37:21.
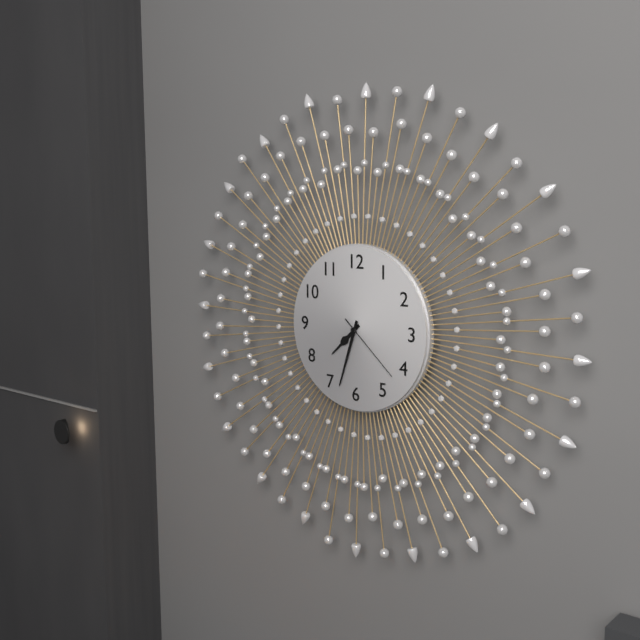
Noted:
7:33:22
